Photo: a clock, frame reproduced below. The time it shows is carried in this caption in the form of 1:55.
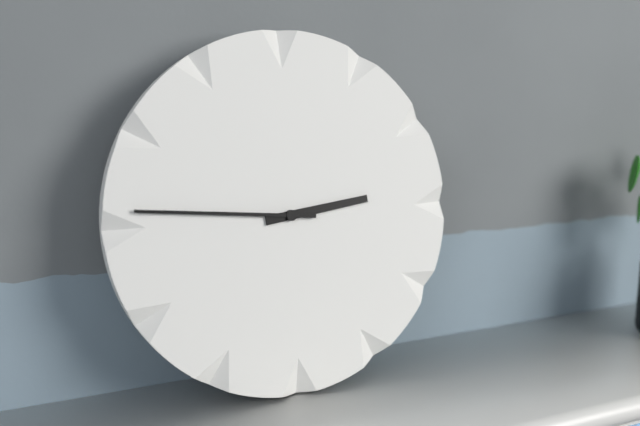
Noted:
2:46
